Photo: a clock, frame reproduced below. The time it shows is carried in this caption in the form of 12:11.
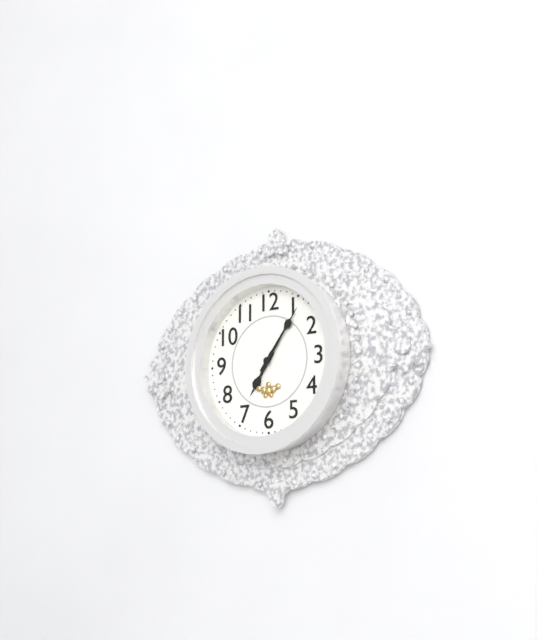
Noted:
7:06
